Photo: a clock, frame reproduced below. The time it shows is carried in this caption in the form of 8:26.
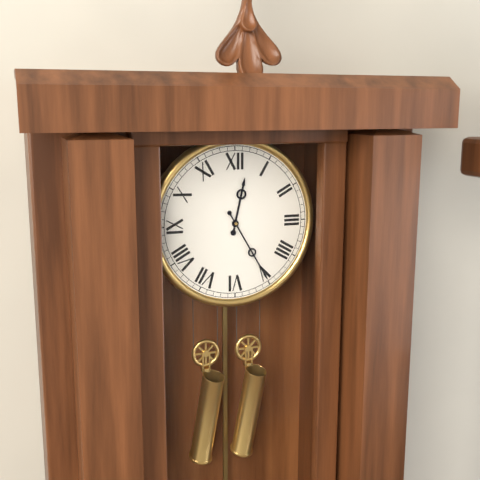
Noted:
12:25
